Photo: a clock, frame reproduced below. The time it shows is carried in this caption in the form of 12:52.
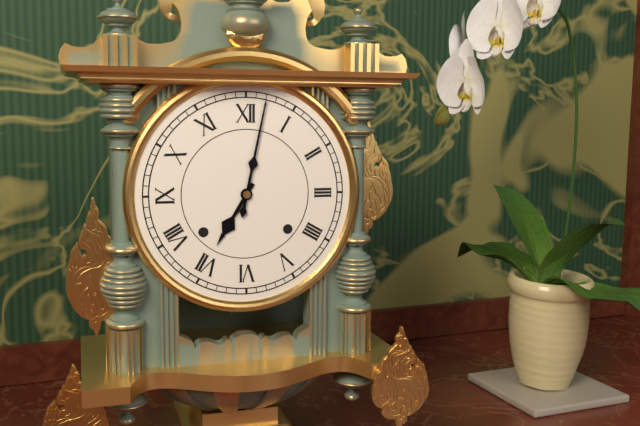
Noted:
7:02
